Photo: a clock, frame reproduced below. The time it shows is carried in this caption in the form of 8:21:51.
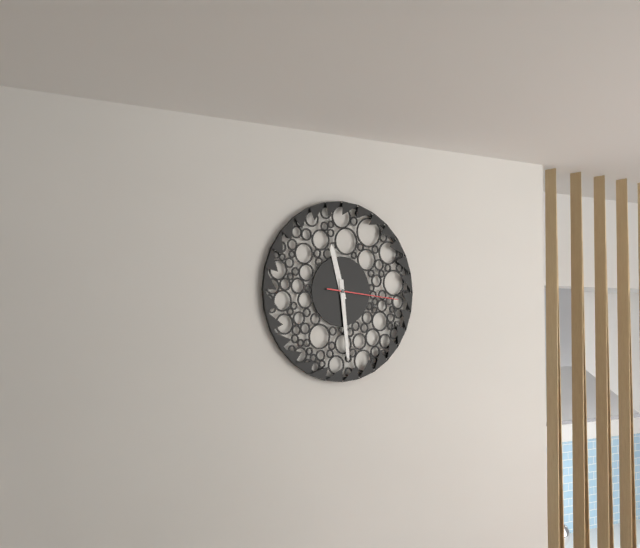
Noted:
11:29:16
